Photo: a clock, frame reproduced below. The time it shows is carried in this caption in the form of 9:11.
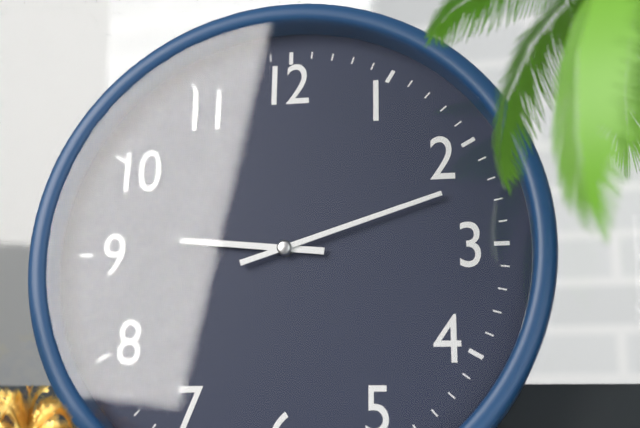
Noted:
9:12
